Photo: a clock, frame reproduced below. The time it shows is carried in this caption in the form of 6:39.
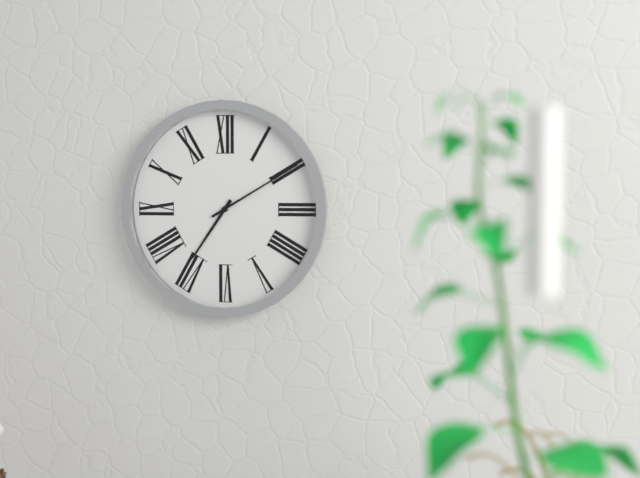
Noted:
7:10
